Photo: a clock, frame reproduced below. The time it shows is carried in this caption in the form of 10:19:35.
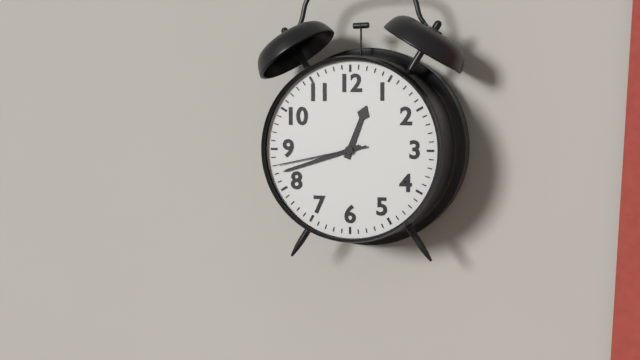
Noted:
12:42:43
